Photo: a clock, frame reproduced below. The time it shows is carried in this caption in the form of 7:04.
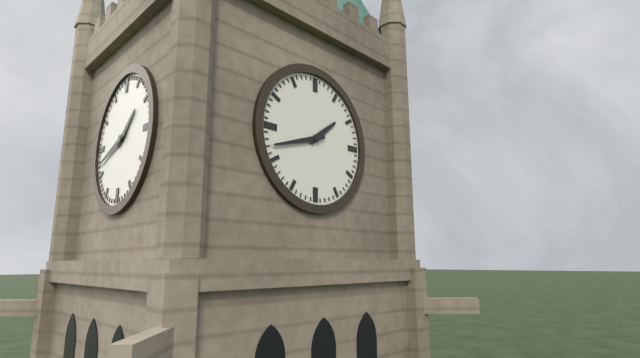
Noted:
1:42
